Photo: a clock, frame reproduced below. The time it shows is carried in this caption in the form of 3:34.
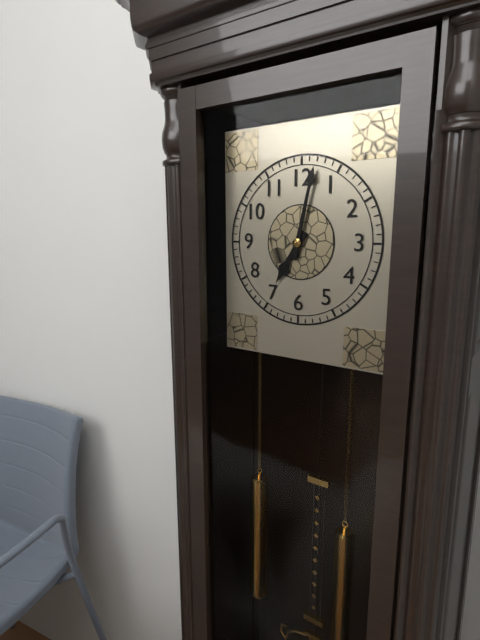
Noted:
7:02
